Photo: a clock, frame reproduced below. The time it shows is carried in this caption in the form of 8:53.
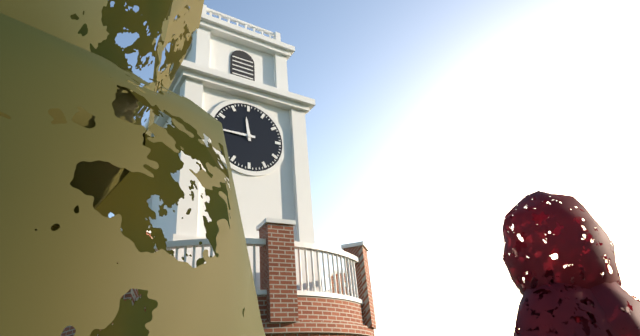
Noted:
11:45
